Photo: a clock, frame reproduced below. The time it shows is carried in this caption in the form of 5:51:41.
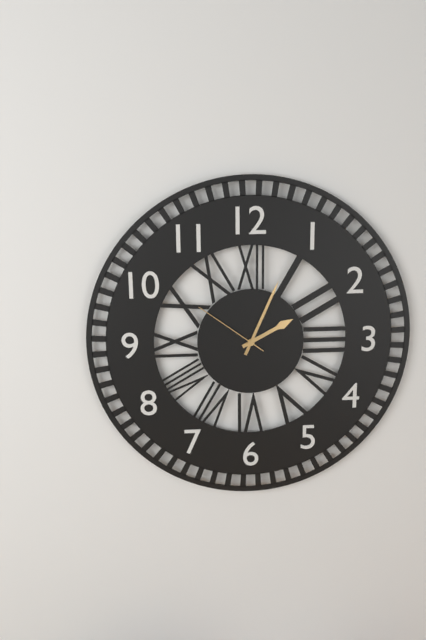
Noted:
2:04:51
